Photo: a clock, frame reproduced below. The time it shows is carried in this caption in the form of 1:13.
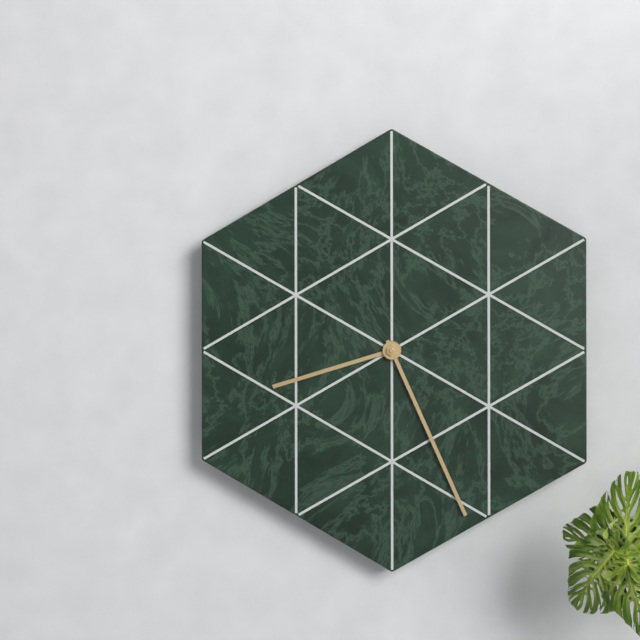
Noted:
8:26
